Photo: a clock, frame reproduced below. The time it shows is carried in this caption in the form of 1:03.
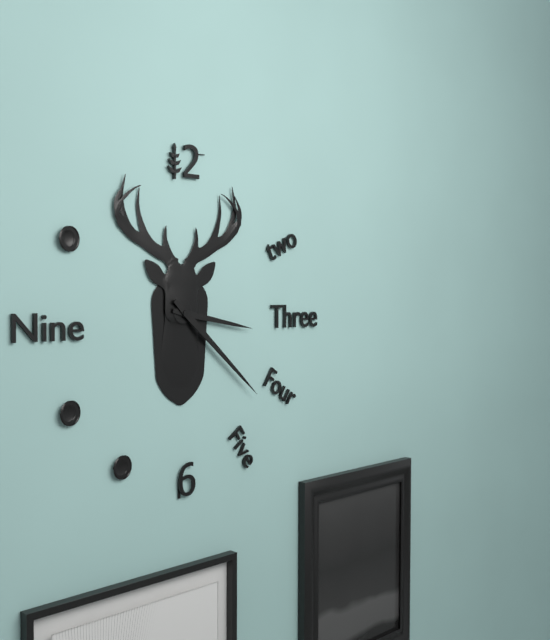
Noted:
3:22
